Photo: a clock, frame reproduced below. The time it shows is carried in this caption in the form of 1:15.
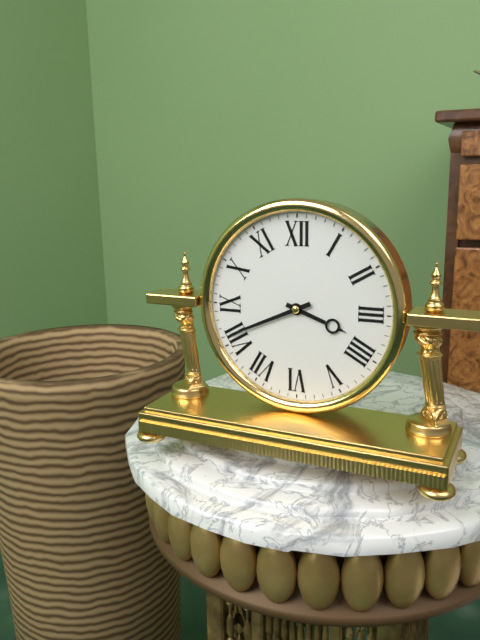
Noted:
3:41
